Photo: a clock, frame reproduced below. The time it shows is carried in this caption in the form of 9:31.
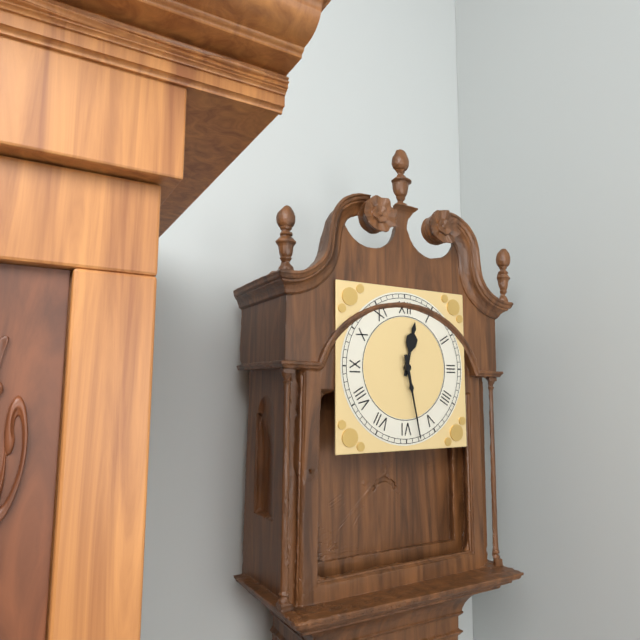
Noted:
12:28
